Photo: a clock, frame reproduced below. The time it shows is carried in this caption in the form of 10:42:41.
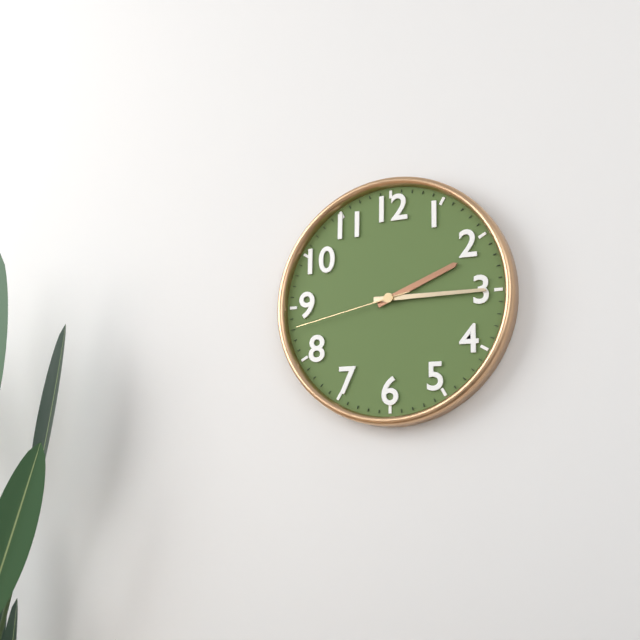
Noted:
2:15:43
